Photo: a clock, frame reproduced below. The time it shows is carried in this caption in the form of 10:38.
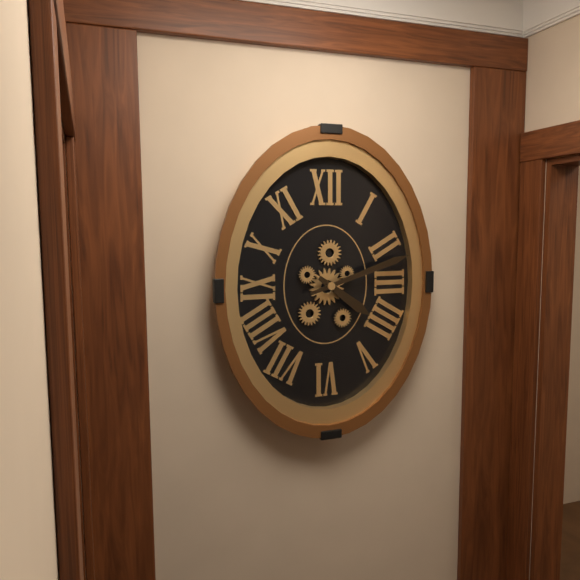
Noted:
4:12
